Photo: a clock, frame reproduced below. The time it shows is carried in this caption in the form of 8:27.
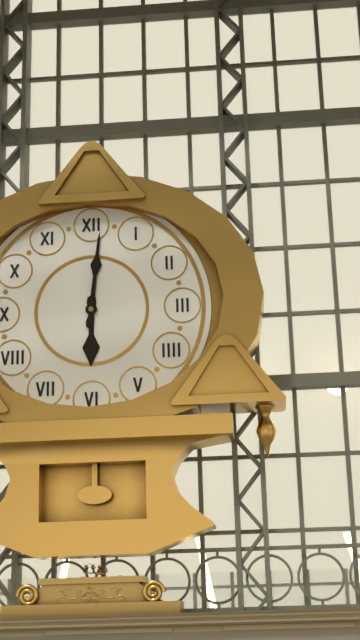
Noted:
6:01
